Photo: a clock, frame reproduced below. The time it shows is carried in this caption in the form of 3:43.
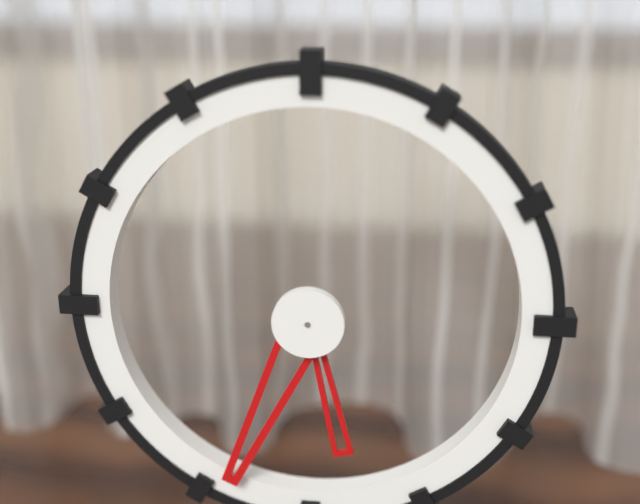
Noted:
5:34
